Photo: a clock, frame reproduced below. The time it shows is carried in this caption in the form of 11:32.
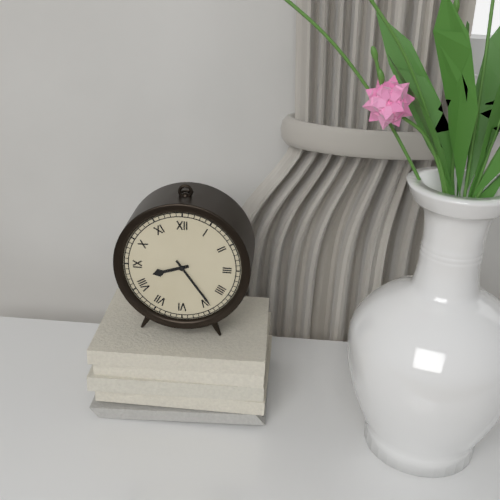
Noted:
8:24
